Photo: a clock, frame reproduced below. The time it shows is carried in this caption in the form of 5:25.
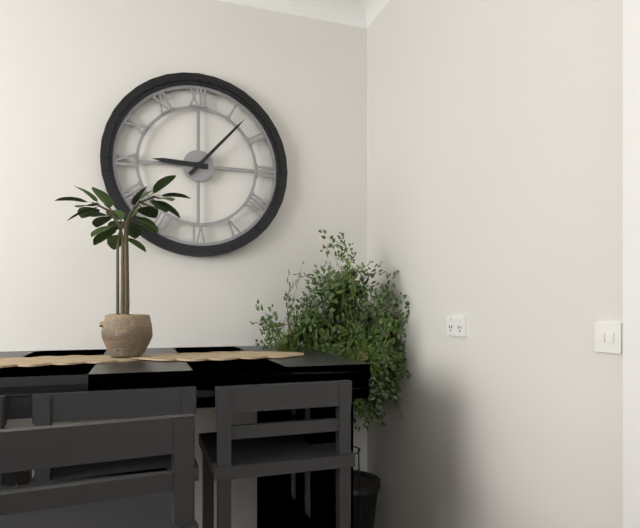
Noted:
9:07
